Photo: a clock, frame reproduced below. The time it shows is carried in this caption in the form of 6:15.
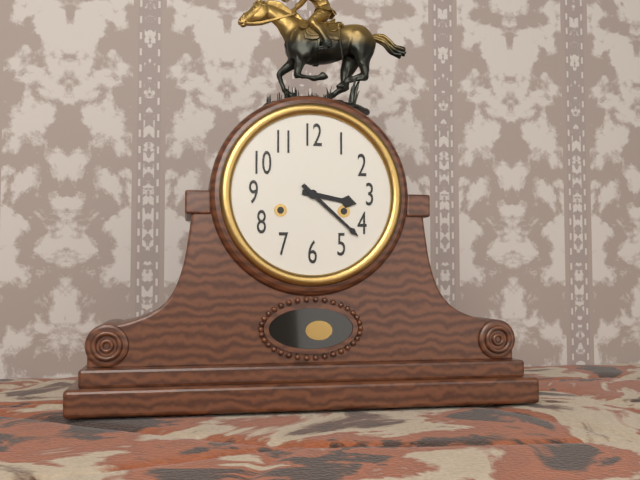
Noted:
3:22
